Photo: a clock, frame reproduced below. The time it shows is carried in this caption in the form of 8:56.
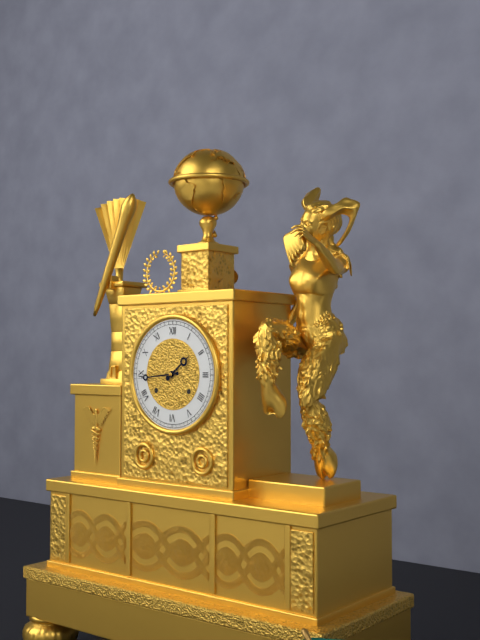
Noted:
1:44
